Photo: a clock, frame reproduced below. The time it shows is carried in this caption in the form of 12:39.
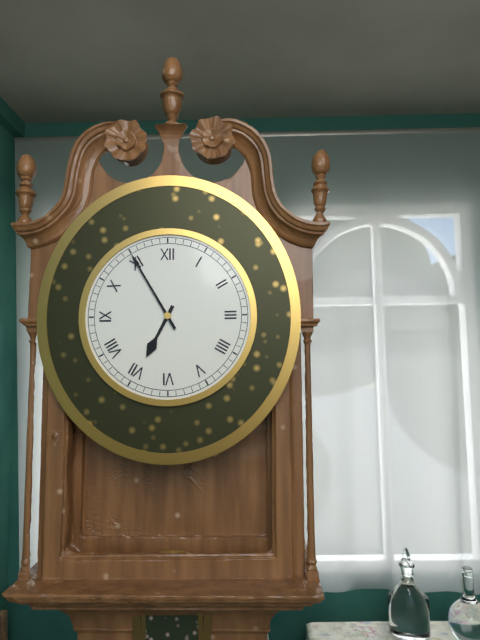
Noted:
6:55
